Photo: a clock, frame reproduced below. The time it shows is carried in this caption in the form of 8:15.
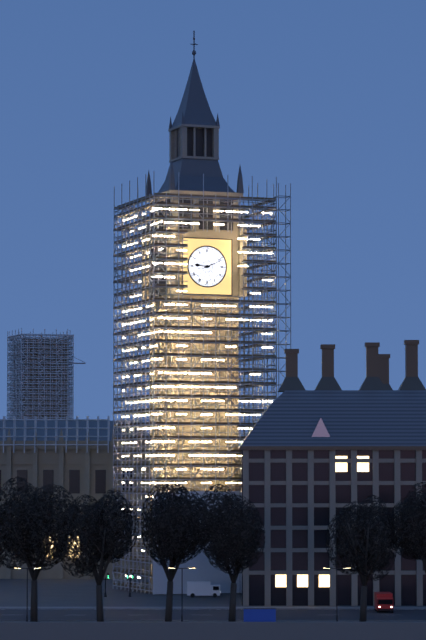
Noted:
9:11
